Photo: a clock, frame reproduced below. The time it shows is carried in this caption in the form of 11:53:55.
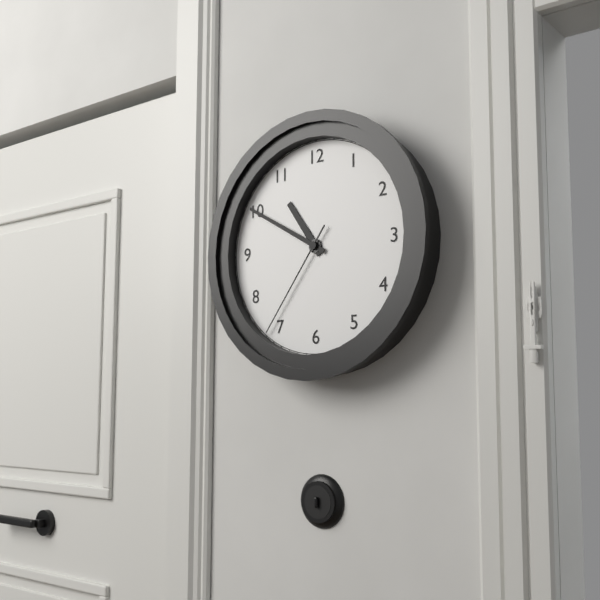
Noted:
10:50:36
